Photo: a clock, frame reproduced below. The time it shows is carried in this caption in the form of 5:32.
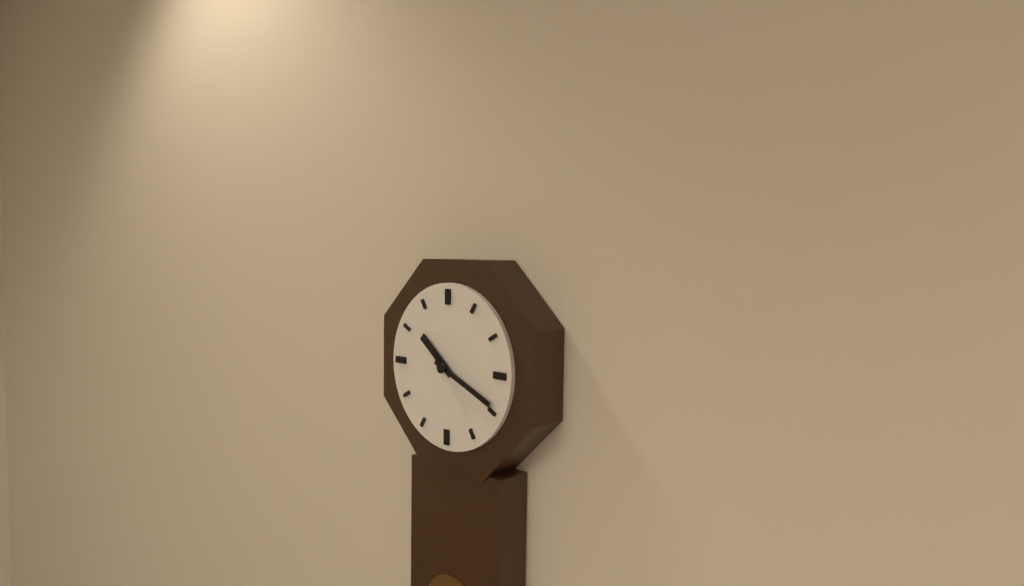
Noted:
10:19
